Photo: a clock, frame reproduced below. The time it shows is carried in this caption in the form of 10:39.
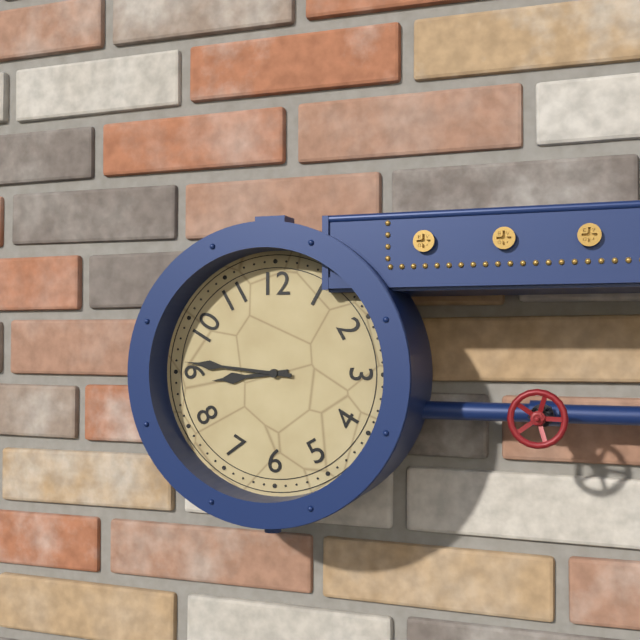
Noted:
8:46
